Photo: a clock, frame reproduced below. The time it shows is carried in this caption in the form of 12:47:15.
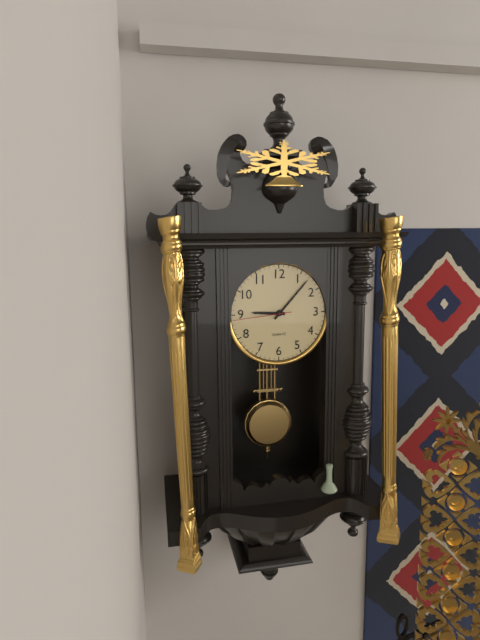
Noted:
9:07:44
